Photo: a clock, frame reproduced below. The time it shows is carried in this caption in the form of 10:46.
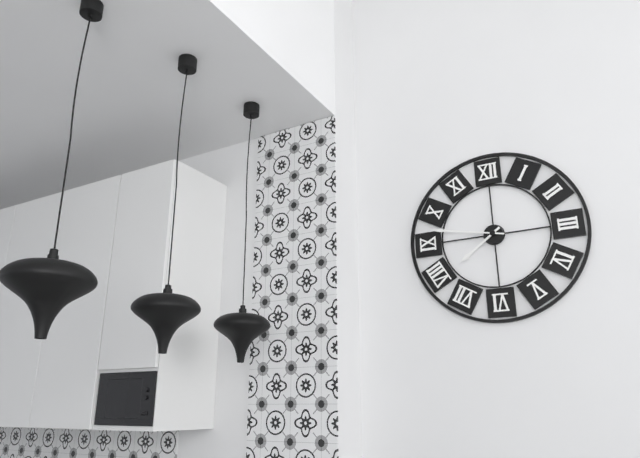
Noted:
7:47
